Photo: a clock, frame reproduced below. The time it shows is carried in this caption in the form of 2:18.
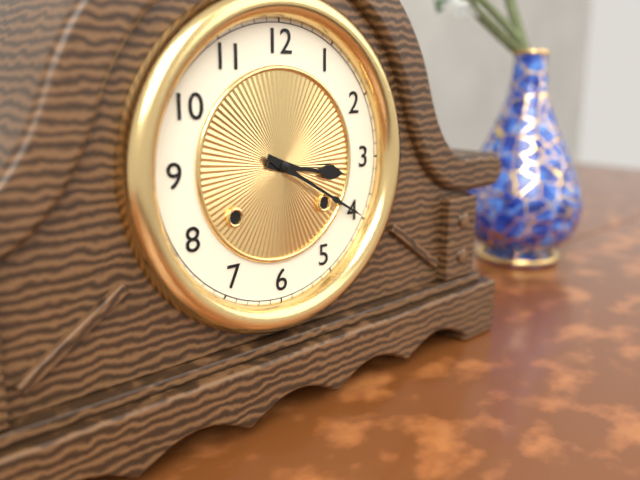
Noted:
3:20
